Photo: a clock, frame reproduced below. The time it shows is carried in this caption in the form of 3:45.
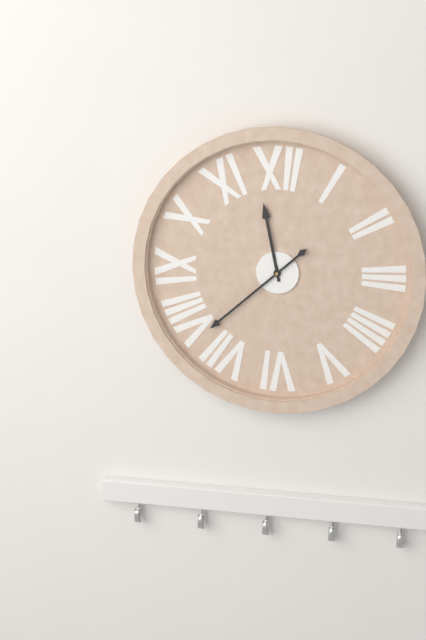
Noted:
11:38
